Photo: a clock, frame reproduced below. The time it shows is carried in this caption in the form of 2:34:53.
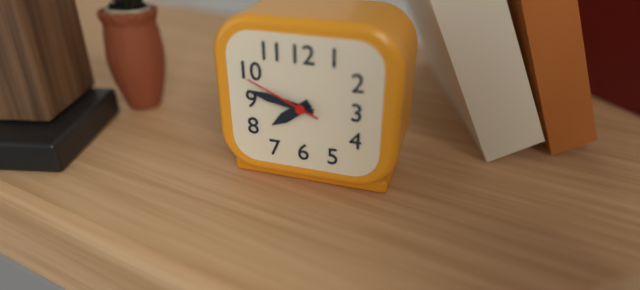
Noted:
7:47:49
